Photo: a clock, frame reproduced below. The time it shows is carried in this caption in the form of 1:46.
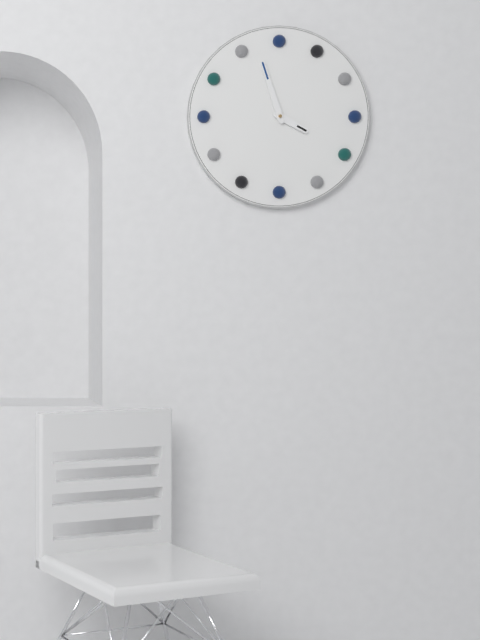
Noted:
3:57
